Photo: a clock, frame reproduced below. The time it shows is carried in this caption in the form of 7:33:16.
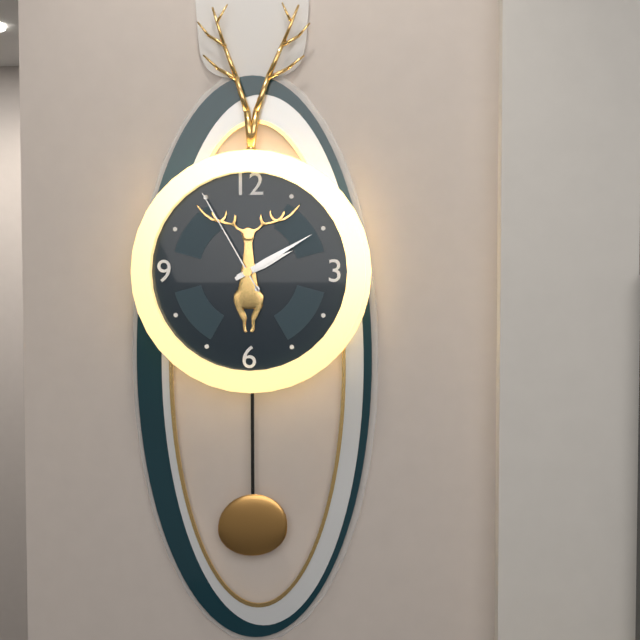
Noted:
2:10:55
